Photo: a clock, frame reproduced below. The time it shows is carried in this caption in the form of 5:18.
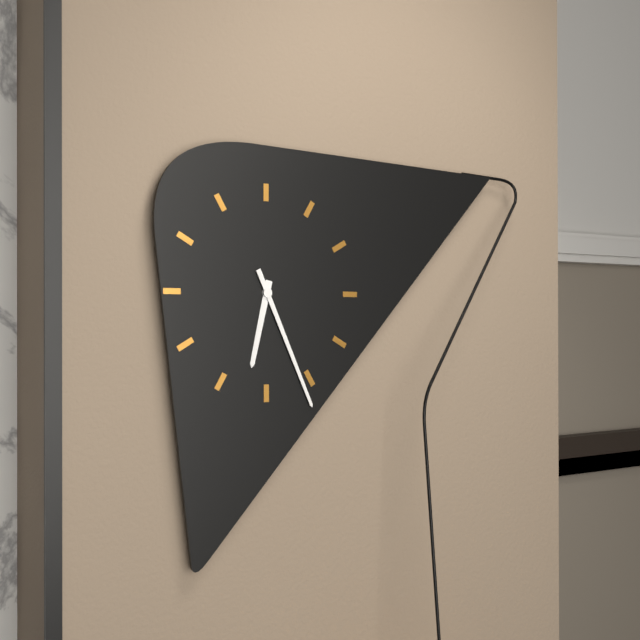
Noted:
6:26
